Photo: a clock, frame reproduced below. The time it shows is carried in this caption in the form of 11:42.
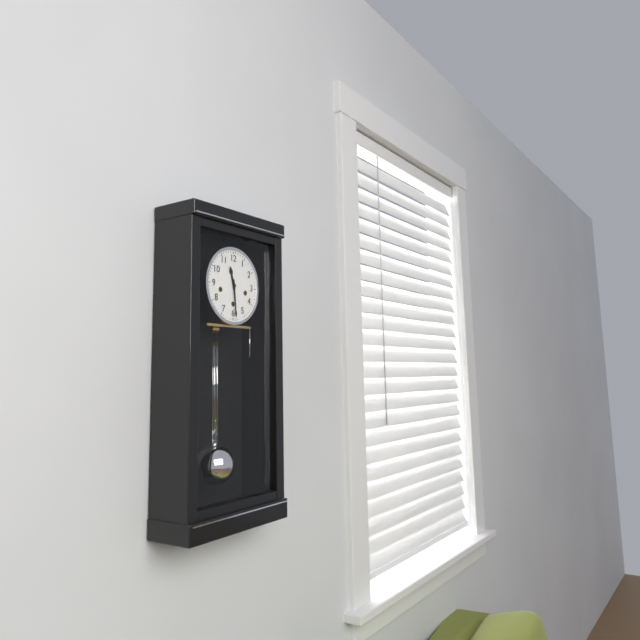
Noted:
11:29
